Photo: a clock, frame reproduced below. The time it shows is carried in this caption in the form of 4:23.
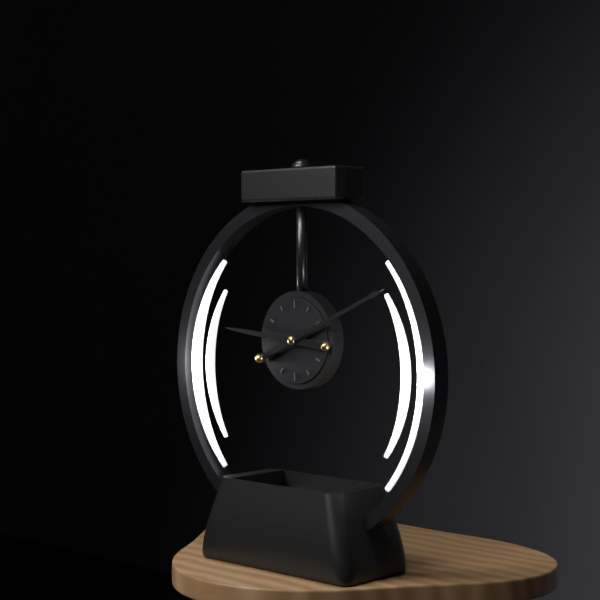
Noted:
9:11
